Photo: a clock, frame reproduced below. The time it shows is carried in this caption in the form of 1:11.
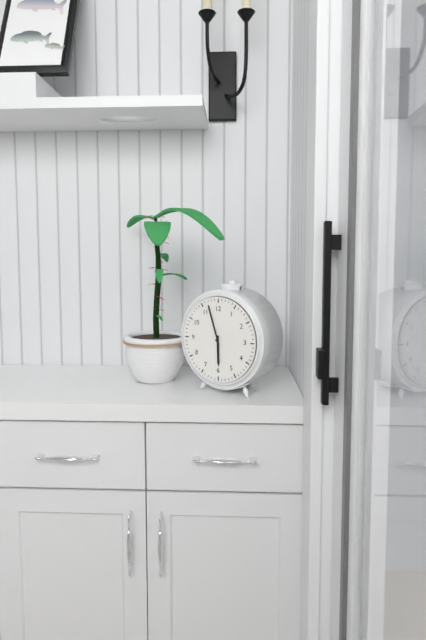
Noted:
5:57
